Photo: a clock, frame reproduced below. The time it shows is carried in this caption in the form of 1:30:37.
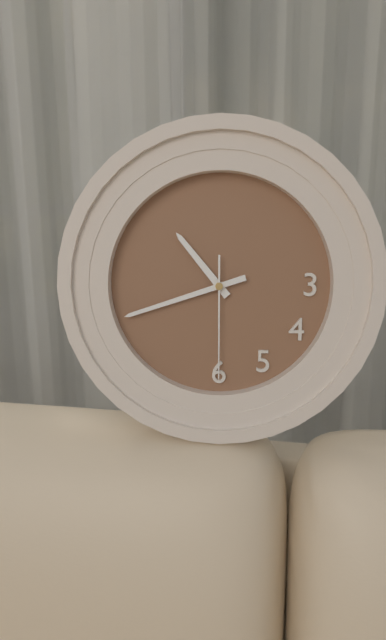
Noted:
10:42:30
